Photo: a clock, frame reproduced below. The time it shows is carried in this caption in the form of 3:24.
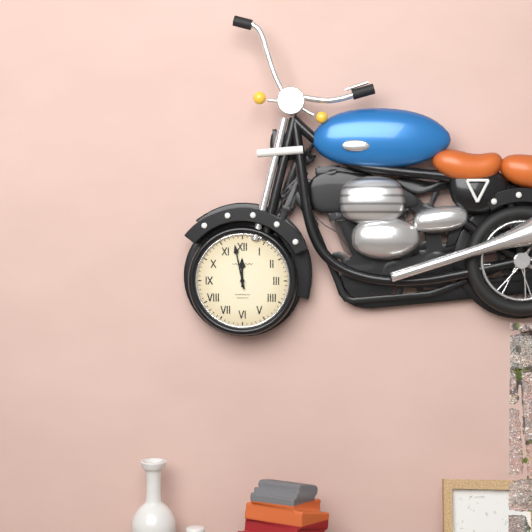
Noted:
11:58
